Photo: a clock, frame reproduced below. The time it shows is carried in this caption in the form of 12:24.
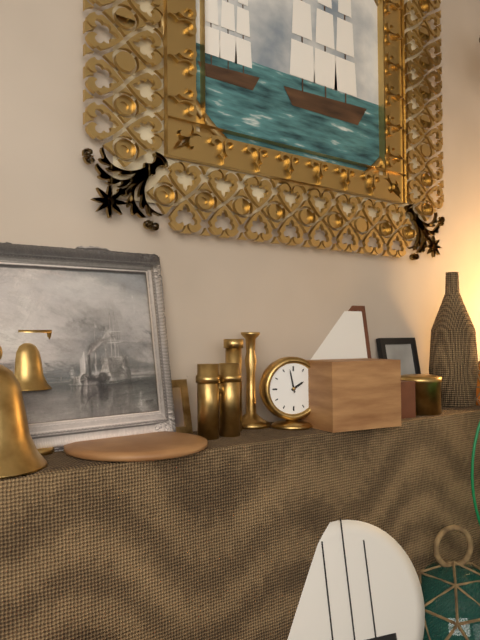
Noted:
1:58
